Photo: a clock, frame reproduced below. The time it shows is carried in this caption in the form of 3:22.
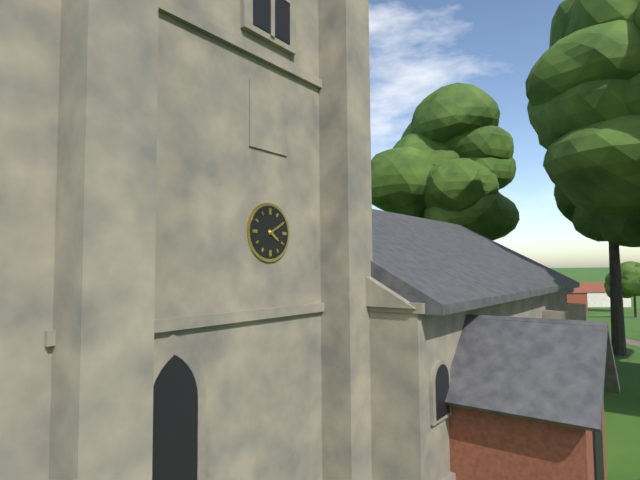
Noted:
4:10
